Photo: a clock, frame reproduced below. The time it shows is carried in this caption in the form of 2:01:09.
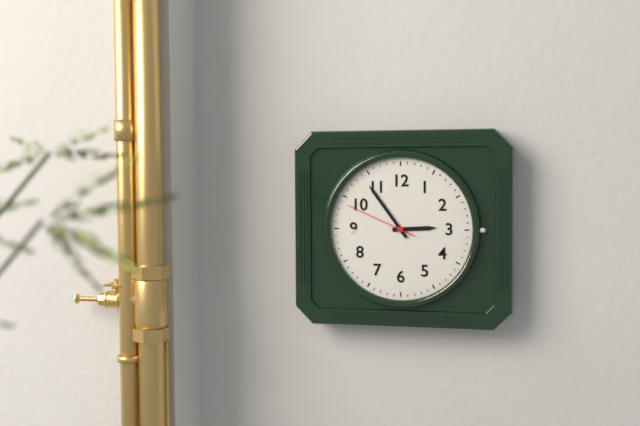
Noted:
2:54:49
